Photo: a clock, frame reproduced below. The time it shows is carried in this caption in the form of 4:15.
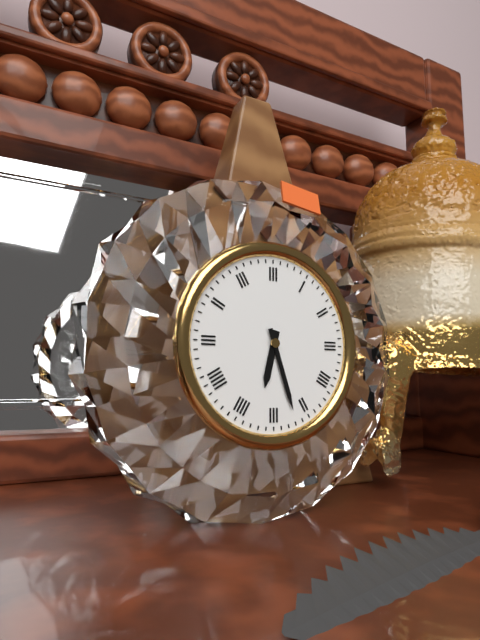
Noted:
6:27
